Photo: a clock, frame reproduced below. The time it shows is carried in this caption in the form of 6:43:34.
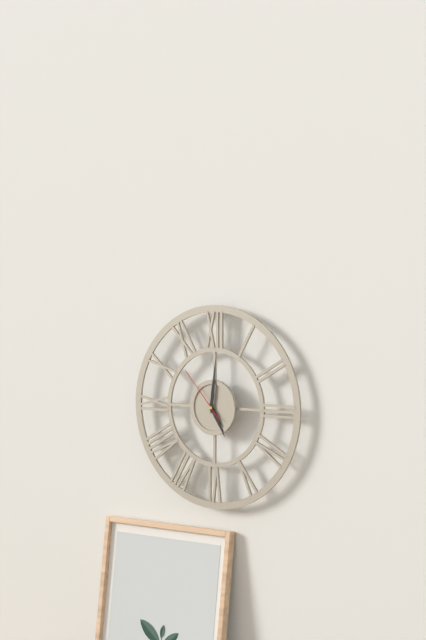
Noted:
5:01:53
